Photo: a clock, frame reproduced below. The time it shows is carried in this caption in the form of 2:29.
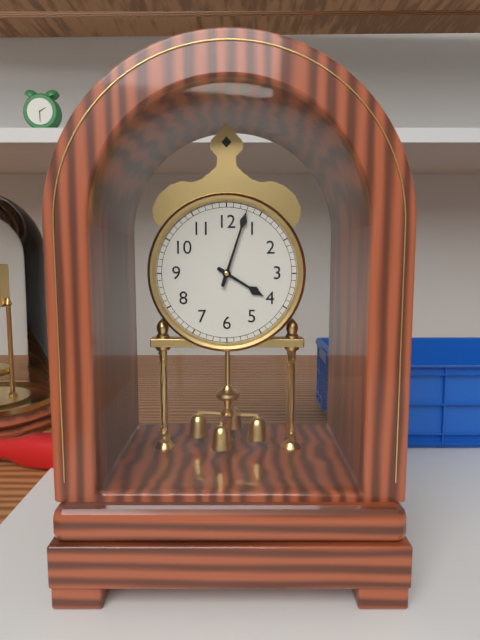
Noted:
4:03
